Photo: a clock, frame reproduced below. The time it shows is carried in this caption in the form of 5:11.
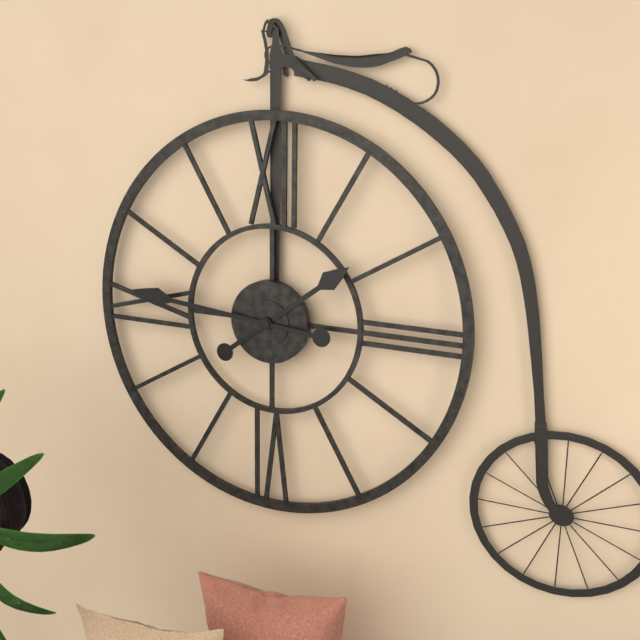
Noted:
1:46
